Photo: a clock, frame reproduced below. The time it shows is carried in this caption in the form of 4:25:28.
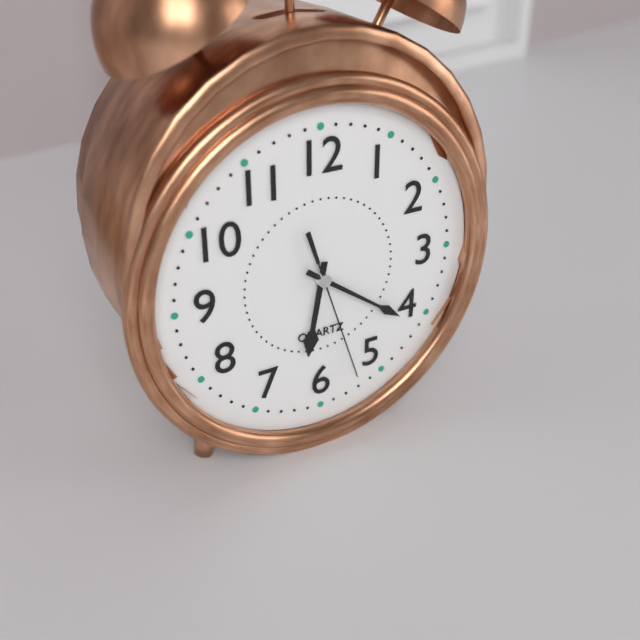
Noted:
6:21:27
